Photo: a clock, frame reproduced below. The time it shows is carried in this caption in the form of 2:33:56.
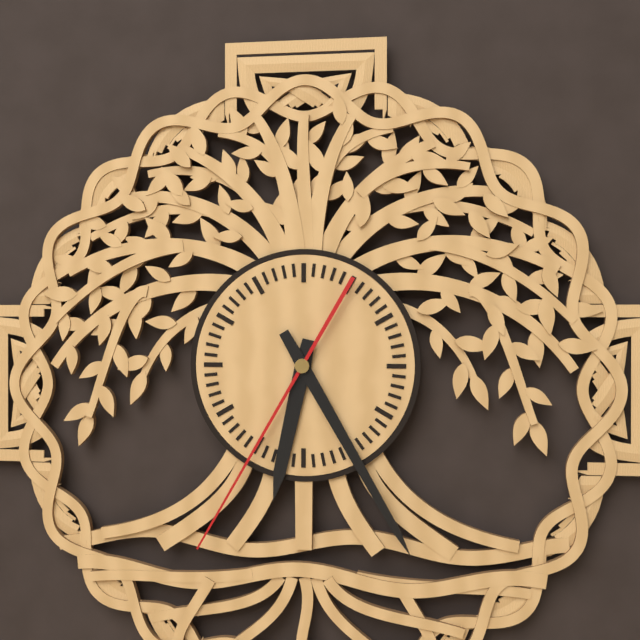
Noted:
6:25:35
